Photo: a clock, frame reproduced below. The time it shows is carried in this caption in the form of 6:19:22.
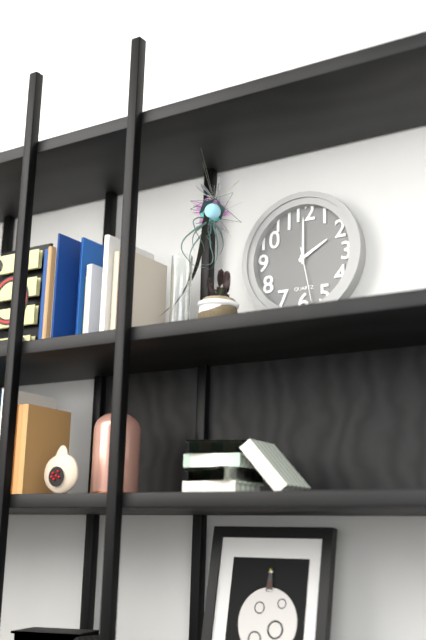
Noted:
2:00:28
